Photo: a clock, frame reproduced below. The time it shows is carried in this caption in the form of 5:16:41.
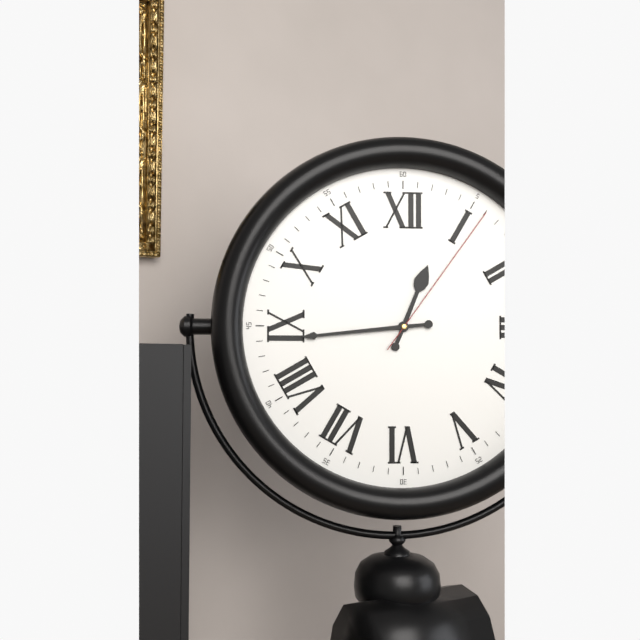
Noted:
12:44:06
